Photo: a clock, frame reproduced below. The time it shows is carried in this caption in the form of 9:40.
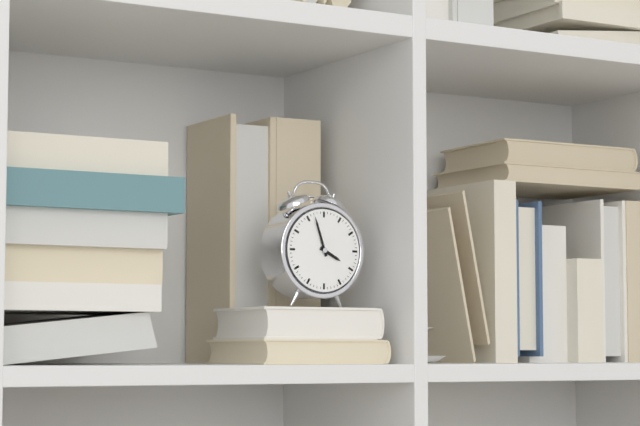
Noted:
3:57
